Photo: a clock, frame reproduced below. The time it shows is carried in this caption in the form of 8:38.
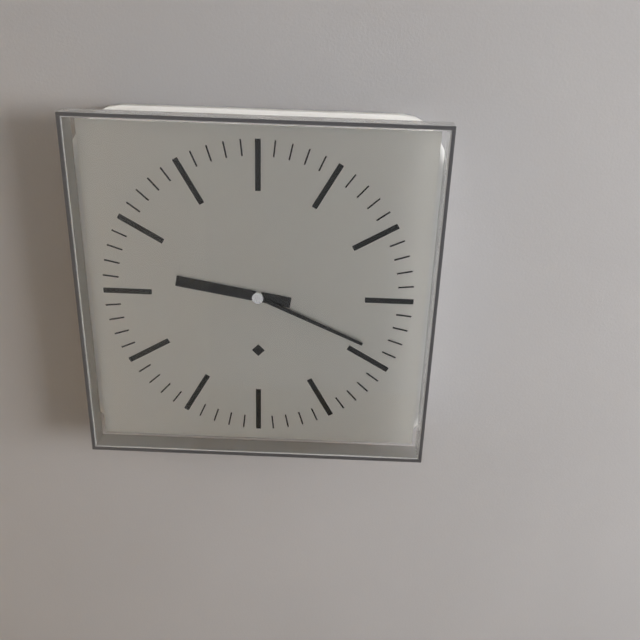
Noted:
9:19
